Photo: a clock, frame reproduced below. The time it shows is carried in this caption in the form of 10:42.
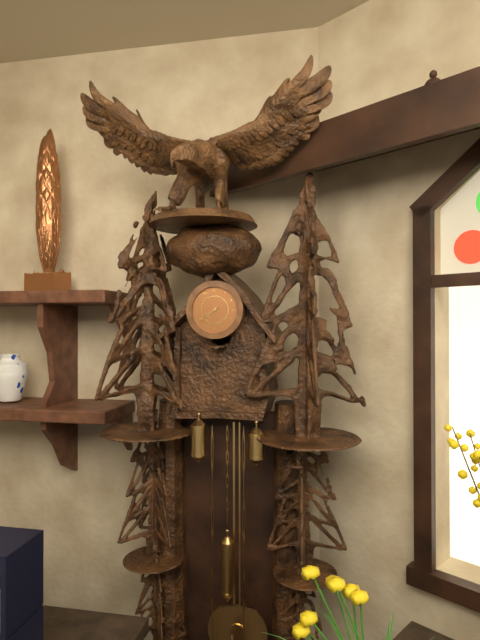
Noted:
7:39
